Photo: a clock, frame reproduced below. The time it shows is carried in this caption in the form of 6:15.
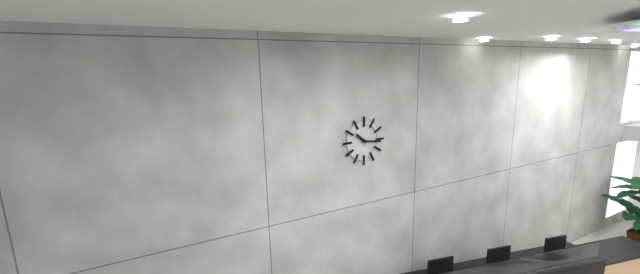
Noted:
10:16
